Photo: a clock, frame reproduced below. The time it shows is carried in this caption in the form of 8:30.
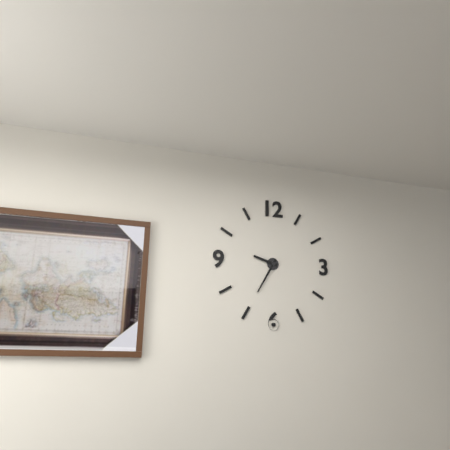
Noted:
9:35
